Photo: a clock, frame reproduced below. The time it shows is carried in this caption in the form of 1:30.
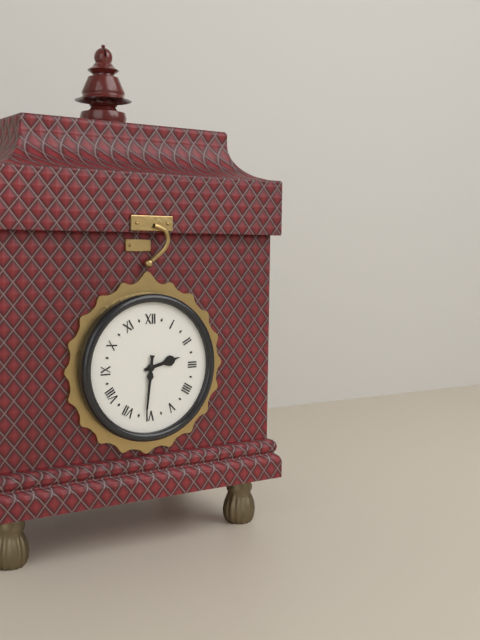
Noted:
2:31
